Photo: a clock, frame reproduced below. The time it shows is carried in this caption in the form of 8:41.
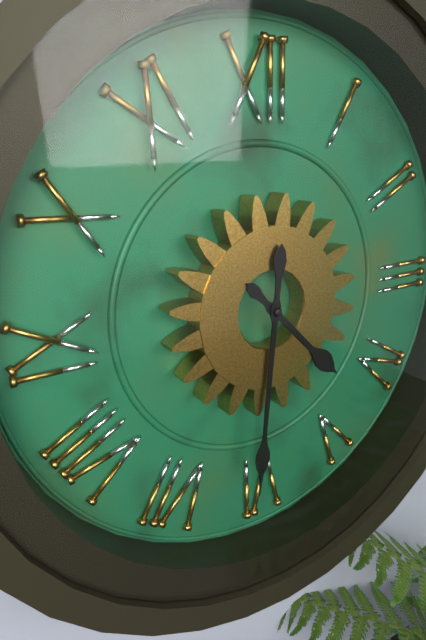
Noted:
4:31
